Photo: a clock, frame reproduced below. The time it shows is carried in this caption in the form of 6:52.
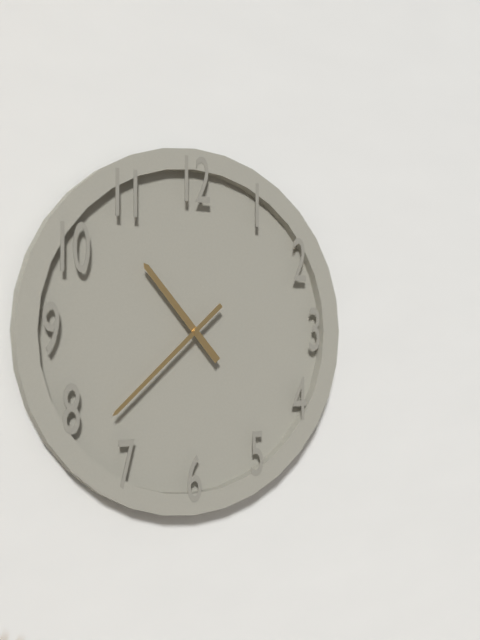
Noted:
10:38
